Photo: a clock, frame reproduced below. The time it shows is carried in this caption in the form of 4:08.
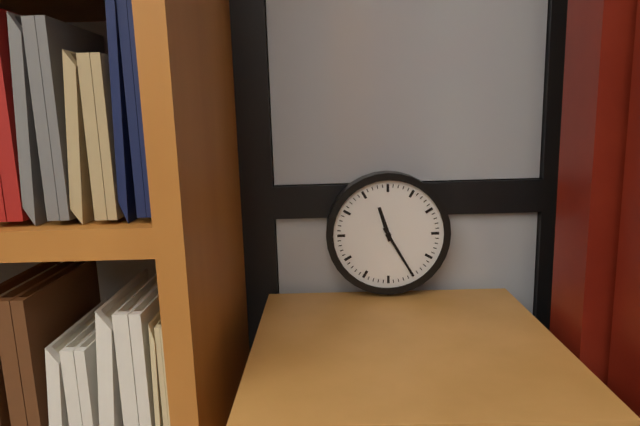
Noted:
11:25
